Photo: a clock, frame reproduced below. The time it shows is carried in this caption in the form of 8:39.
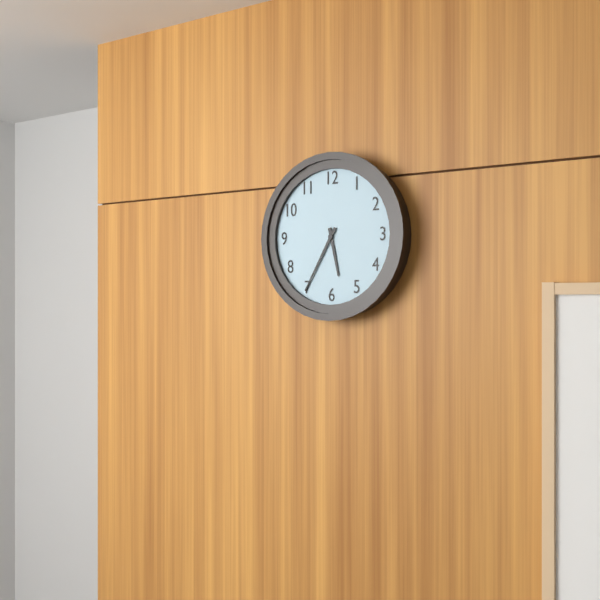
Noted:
5:35
